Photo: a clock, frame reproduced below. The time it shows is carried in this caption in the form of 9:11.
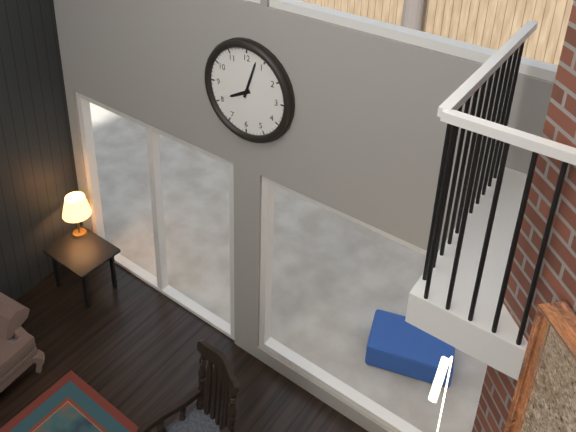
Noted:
8:03
